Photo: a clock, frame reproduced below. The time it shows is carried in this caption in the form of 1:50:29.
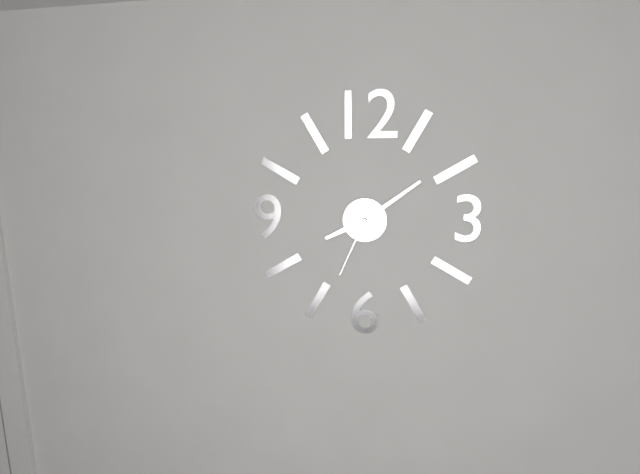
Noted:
8:09:34
